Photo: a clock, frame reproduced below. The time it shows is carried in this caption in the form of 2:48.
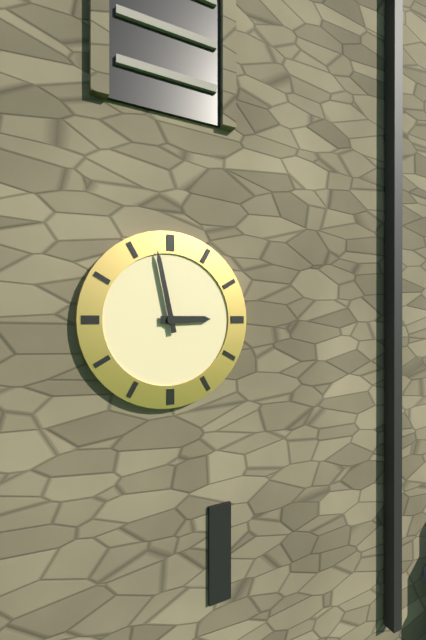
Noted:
2:58
